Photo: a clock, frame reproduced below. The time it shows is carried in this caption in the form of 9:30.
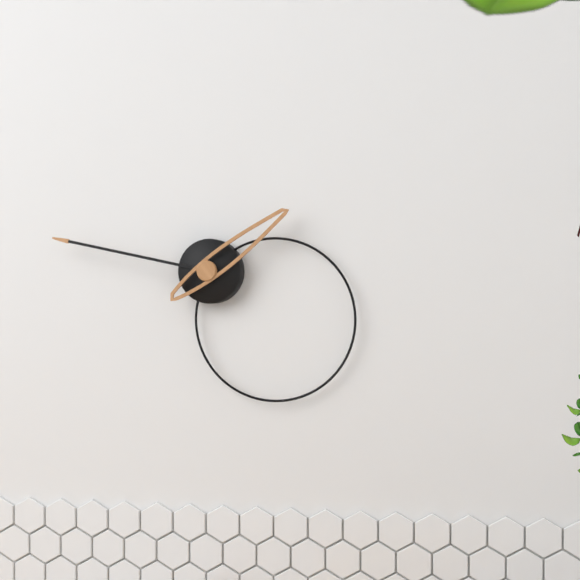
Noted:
1:47
